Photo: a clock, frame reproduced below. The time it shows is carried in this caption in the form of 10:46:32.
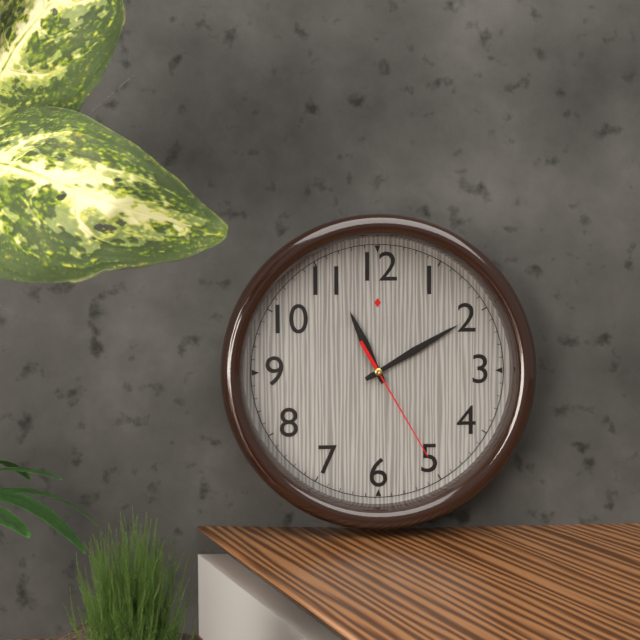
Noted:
11:10:25
